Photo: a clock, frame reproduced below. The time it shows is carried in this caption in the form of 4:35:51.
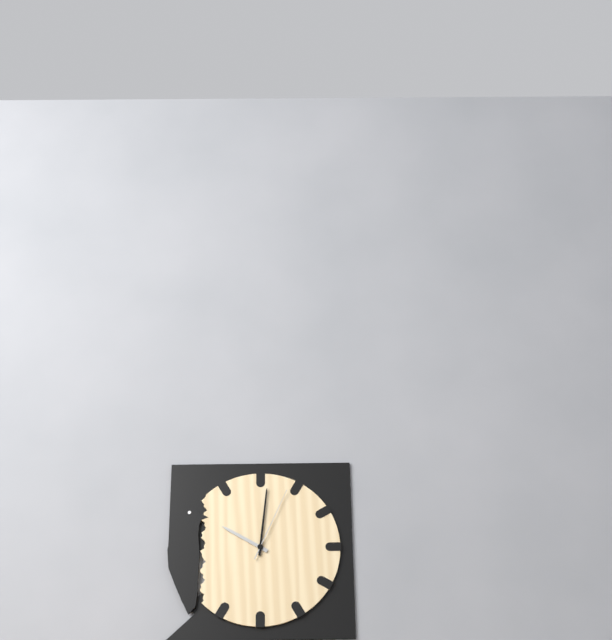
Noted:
10:01:04
